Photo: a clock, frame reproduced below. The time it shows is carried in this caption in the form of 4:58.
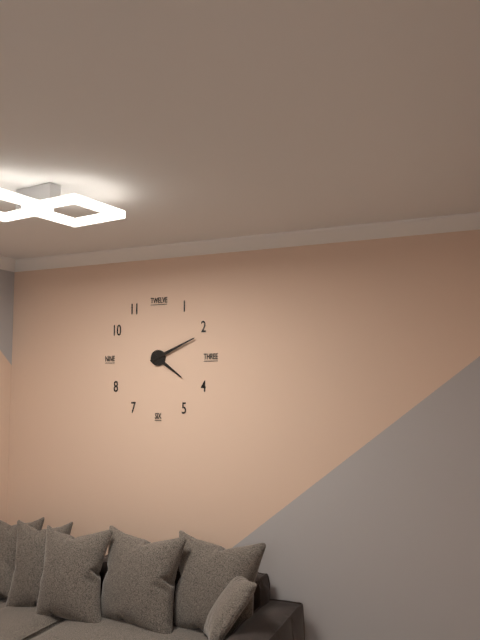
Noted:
4:11
